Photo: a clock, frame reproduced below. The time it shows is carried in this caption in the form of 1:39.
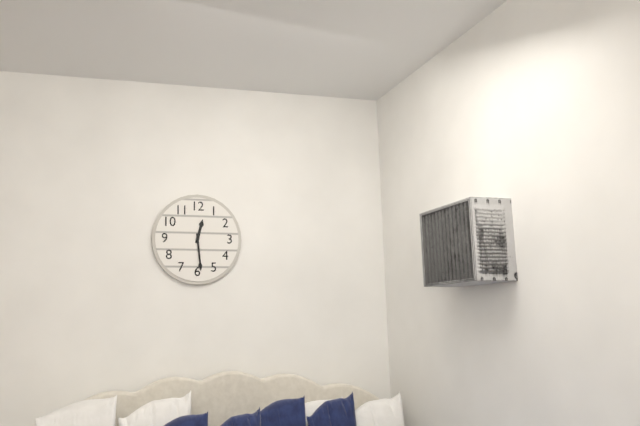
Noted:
12:29
